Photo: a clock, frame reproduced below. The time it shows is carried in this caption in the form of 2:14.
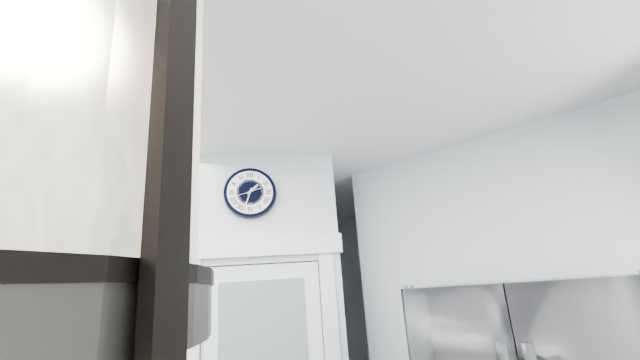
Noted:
1:33
